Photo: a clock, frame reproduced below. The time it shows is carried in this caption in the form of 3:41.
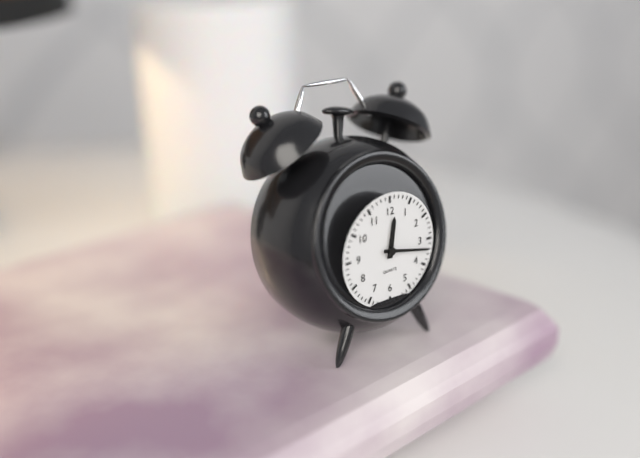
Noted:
12:17
